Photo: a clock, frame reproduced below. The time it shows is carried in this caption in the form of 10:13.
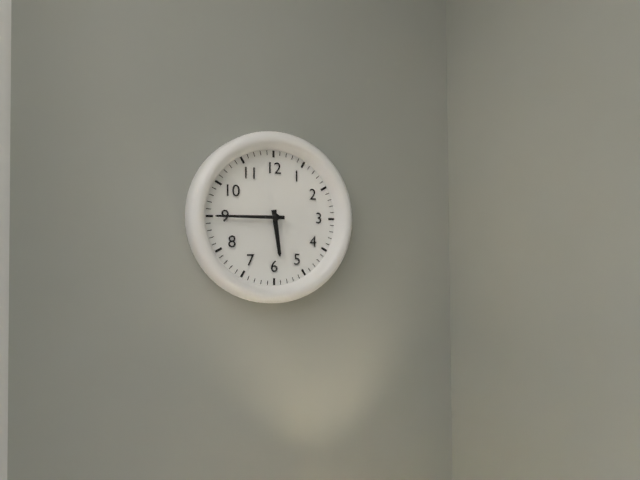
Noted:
5:45
